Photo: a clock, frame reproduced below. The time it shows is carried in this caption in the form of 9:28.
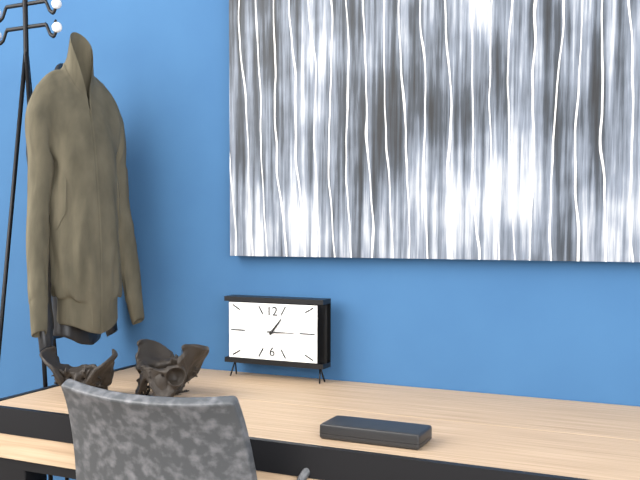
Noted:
1:15
